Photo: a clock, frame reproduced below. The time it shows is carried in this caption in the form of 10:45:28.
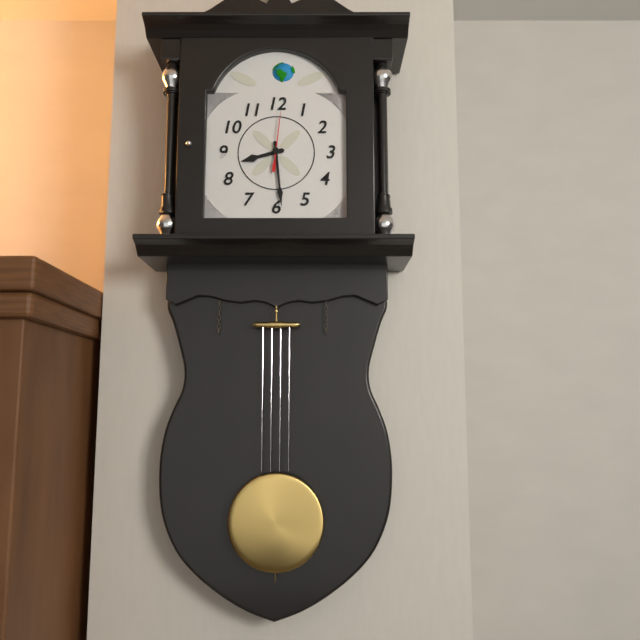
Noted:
8:29:01
